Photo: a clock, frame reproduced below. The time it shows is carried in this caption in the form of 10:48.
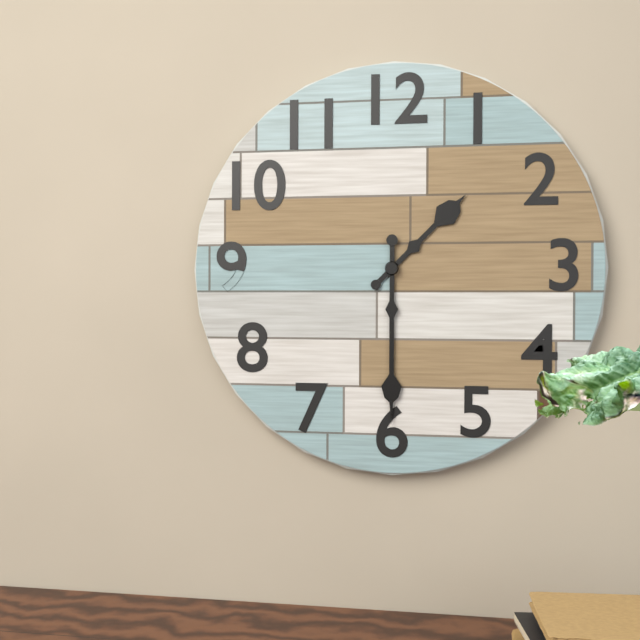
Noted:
1:30
